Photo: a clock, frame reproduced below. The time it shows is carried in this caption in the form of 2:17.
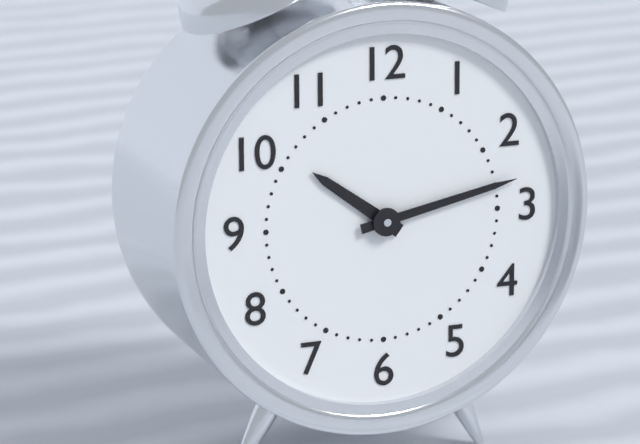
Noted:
10:13
